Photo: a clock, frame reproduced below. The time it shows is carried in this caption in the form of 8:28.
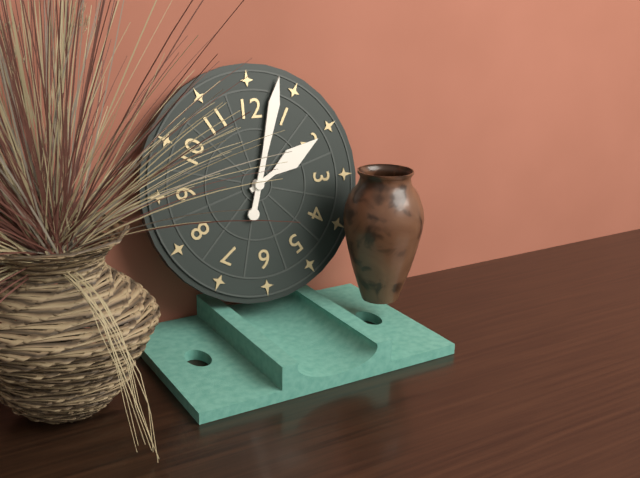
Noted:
2:03
